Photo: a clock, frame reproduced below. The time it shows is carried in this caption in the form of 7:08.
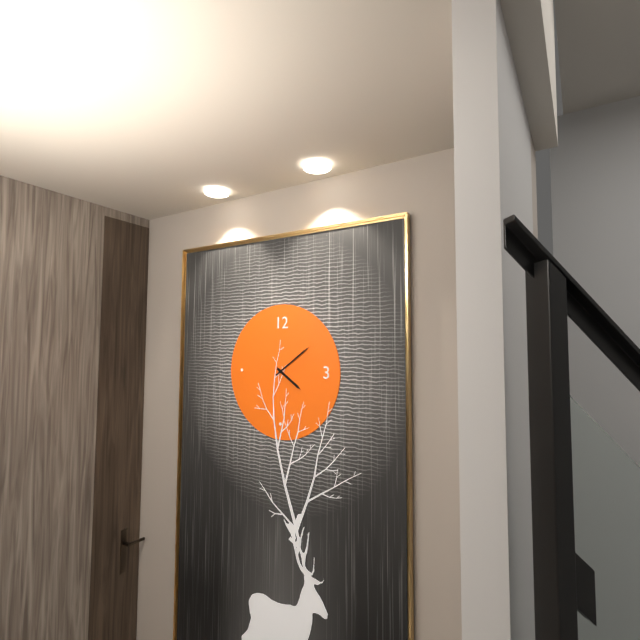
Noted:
4:09
